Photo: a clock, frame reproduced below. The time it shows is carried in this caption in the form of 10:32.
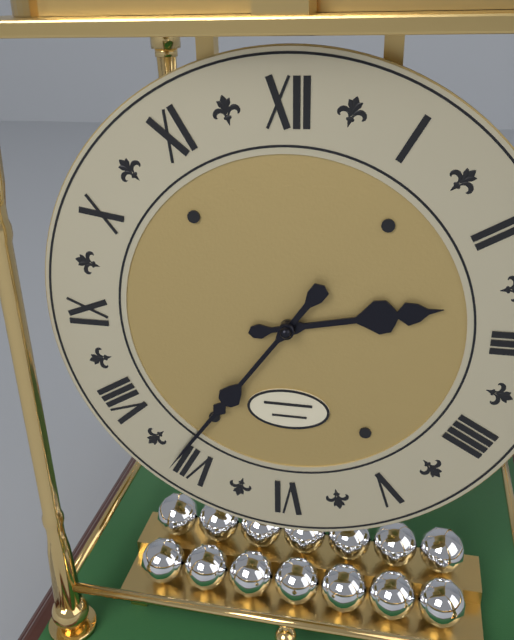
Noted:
2:36
